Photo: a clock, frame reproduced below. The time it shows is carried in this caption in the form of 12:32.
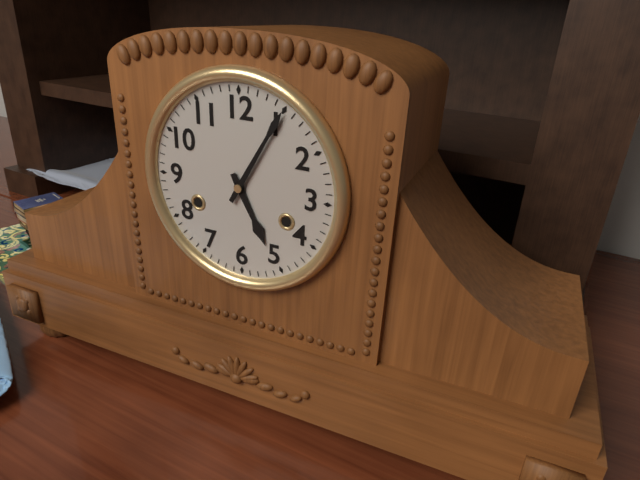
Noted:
5:05
